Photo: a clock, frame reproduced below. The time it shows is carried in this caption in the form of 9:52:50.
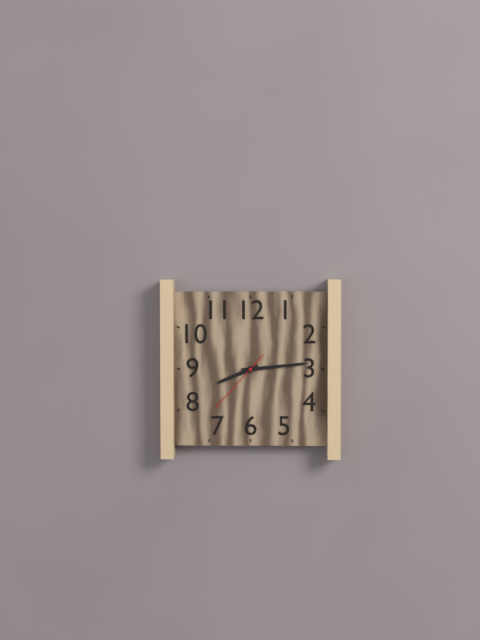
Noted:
8:14:37
